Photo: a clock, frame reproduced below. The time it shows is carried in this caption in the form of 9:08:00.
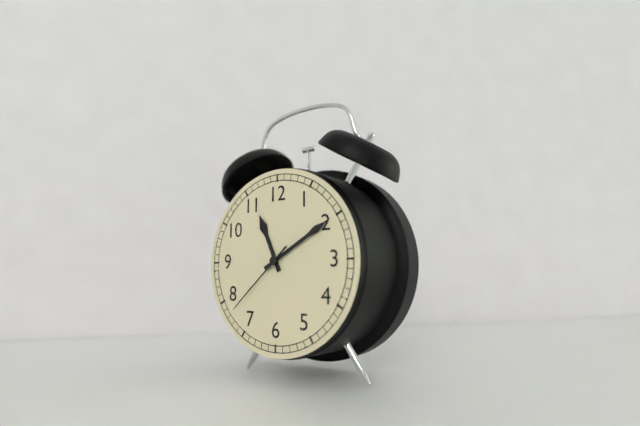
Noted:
11:10:38
